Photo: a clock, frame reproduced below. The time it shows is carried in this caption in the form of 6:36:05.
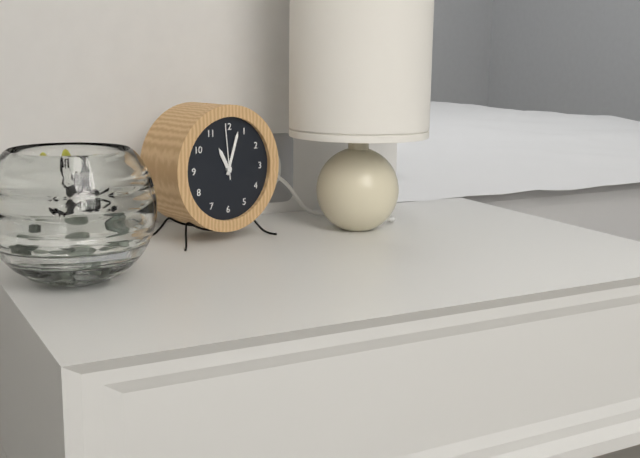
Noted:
11:03:59
